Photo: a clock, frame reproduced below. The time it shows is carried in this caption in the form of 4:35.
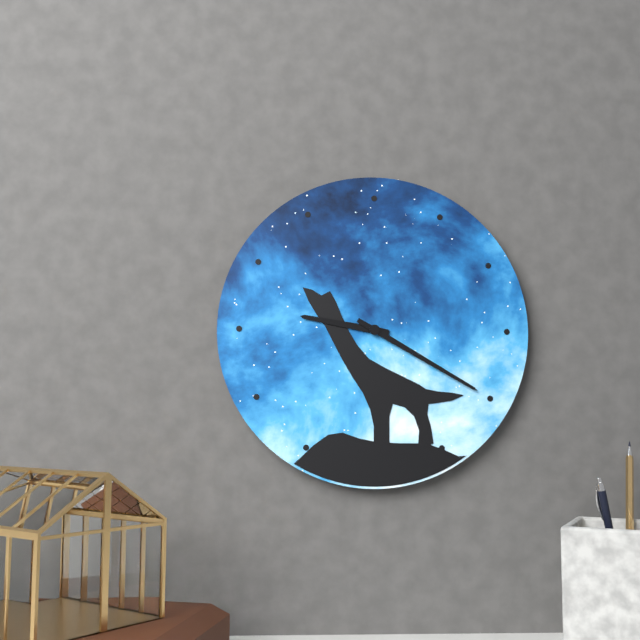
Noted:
9:20
